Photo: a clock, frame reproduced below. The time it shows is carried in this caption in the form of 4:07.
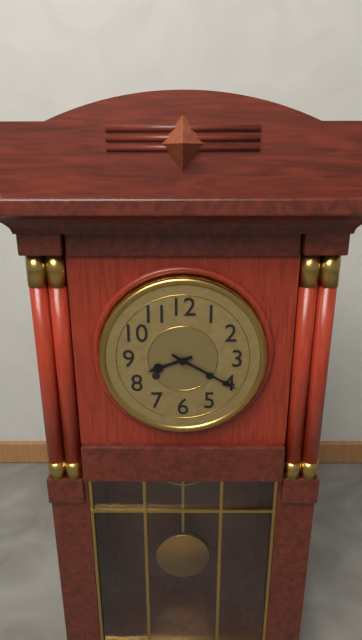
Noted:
8:20
